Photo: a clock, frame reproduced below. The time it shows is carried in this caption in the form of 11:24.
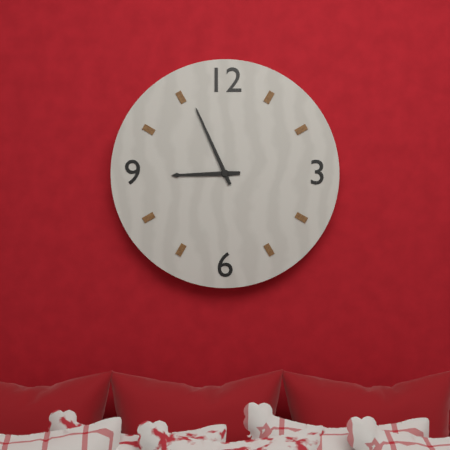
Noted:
8:56
